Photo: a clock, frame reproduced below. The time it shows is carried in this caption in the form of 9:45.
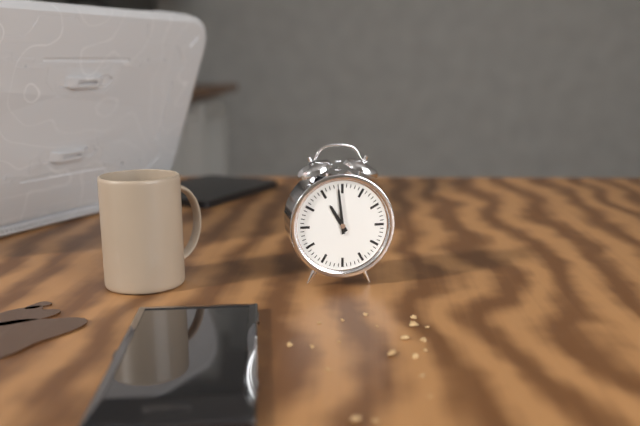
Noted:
10:59
